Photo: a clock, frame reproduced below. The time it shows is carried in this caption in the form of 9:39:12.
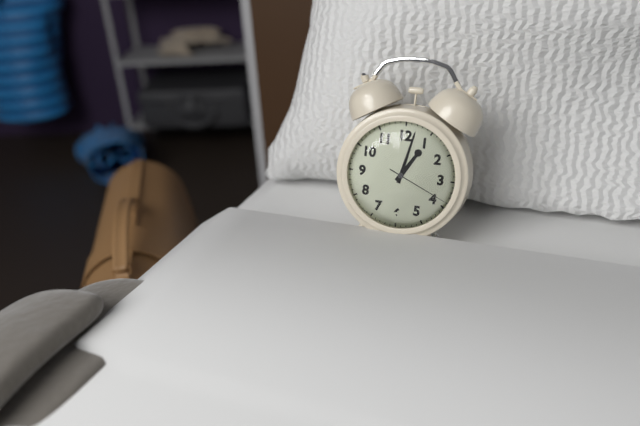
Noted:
1:02:19
